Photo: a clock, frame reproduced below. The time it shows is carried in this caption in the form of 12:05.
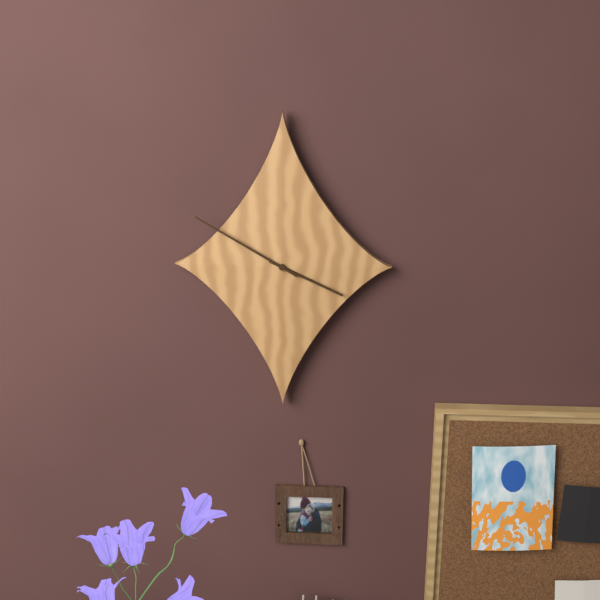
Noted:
3:50
